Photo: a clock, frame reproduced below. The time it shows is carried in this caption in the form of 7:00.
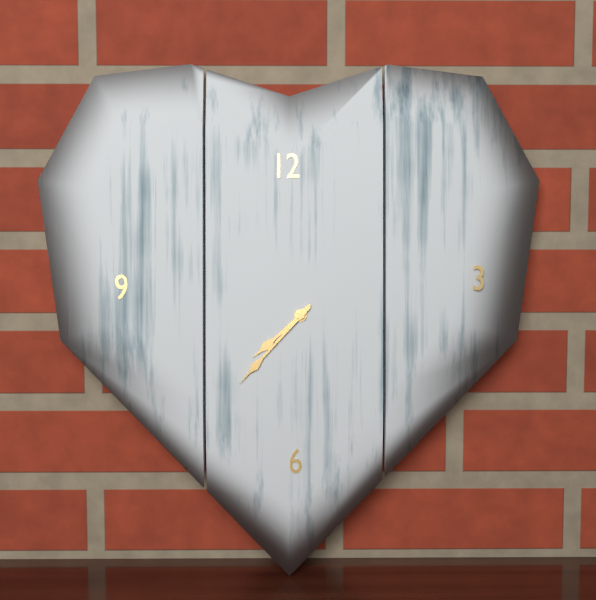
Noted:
7:37
